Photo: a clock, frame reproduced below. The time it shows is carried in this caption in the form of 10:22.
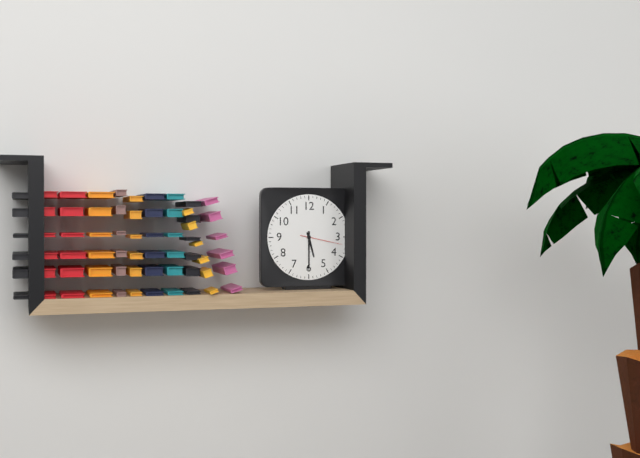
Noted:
5:30
